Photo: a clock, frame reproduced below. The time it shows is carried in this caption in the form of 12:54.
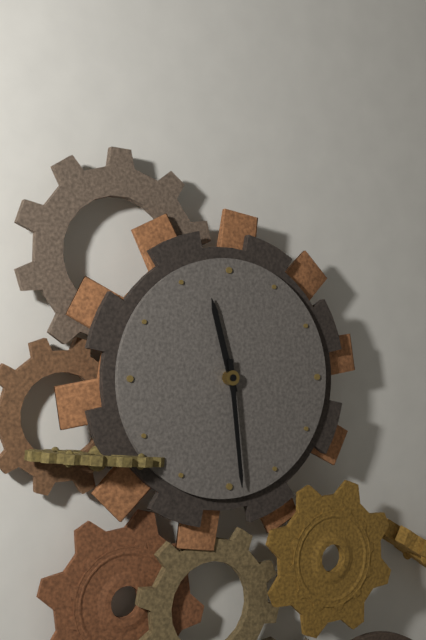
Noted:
11:29
